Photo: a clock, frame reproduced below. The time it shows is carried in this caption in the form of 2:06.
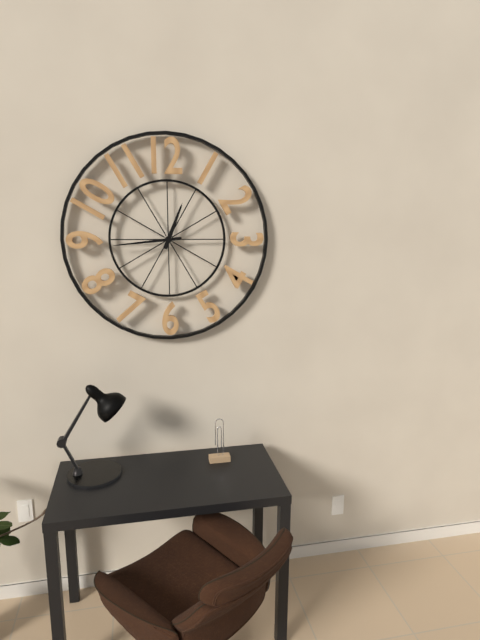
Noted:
12:44
